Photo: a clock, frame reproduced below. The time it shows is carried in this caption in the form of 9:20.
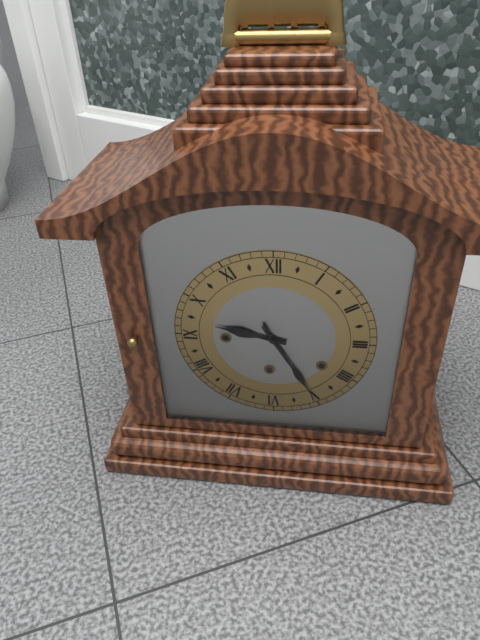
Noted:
9:25
